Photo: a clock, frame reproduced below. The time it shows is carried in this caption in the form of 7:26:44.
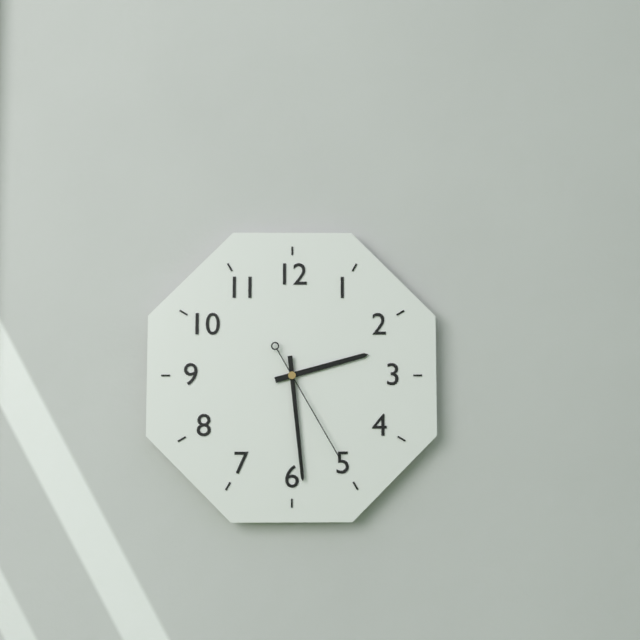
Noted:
2:29:25
